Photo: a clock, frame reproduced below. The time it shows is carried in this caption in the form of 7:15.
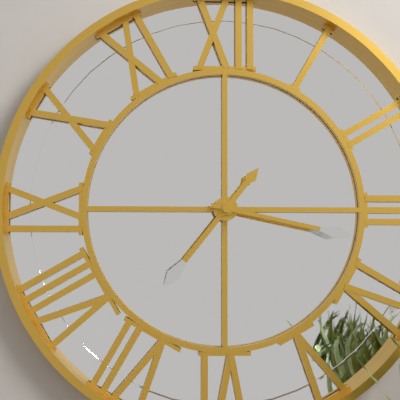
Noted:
7:17
